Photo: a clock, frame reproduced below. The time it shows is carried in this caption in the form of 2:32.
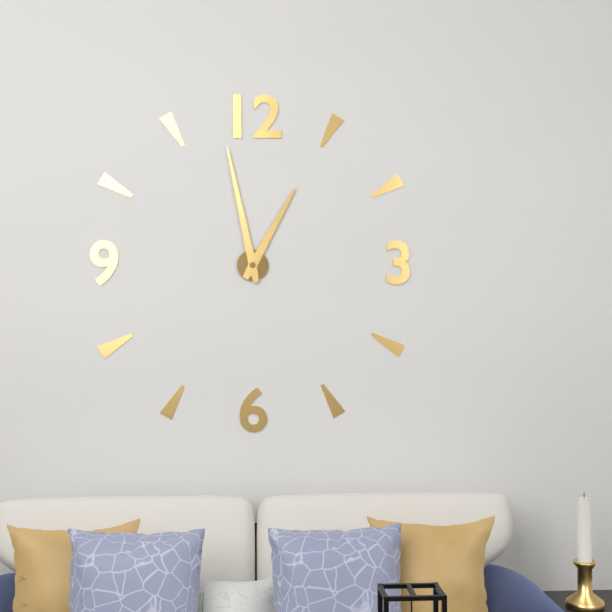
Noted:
12:58
